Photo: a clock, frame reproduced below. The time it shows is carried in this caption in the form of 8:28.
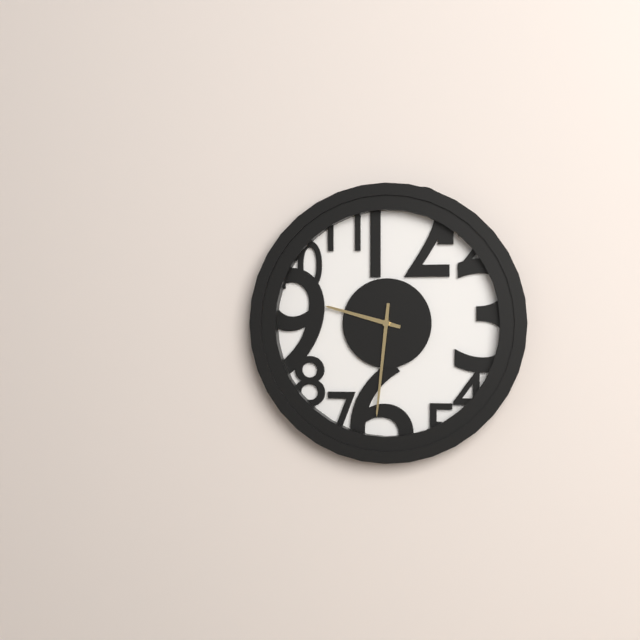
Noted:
9:31
